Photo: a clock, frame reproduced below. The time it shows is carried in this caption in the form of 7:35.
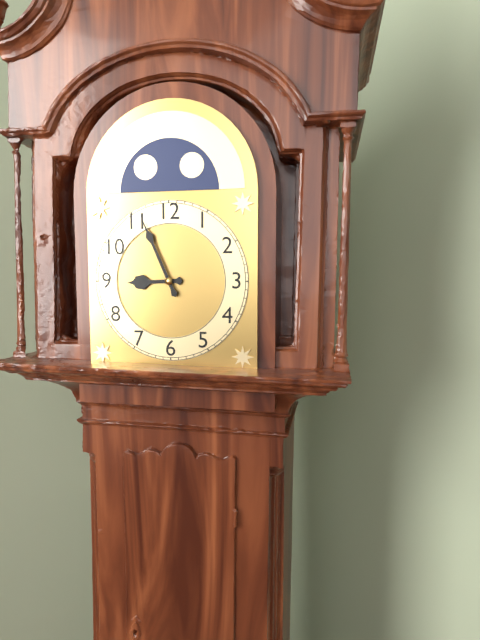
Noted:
8:56
